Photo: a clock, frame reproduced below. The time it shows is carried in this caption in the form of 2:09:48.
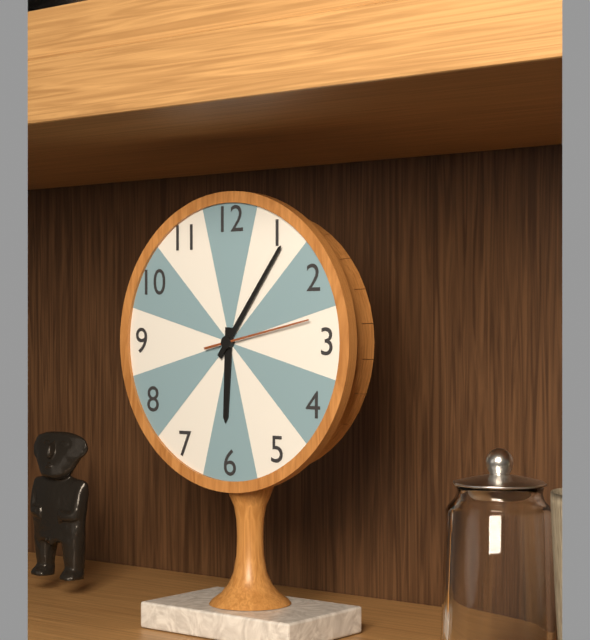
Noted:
6:06:13
